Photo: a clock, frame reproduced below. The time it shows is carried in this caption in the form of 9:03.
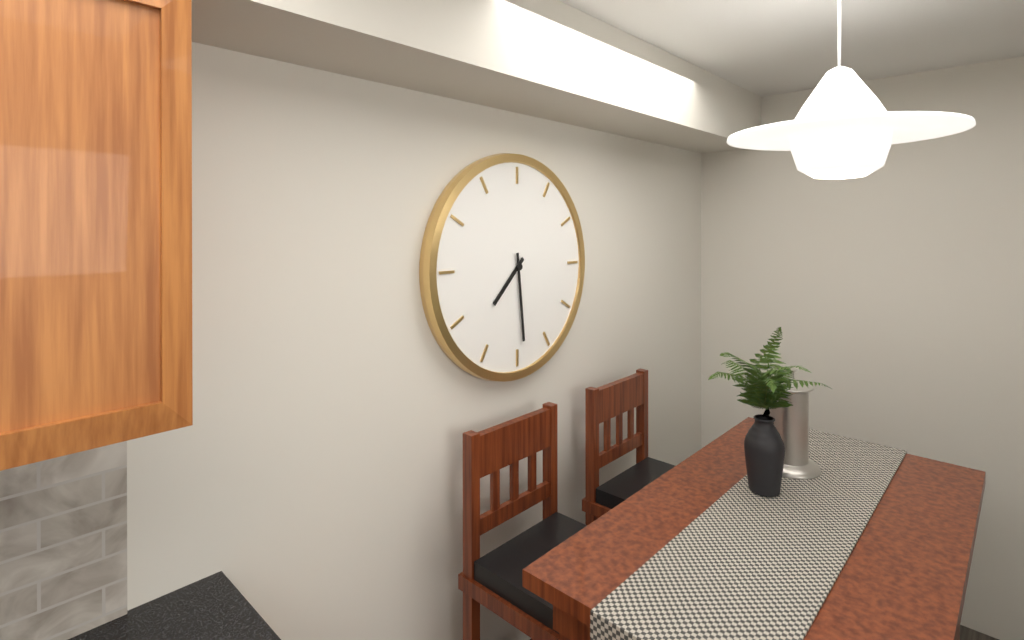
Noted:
7:29
